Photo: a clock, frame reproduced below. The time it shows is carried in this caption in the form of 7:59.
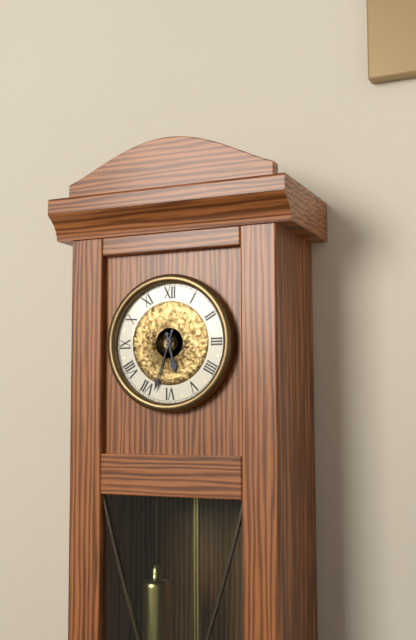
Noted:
5:33
